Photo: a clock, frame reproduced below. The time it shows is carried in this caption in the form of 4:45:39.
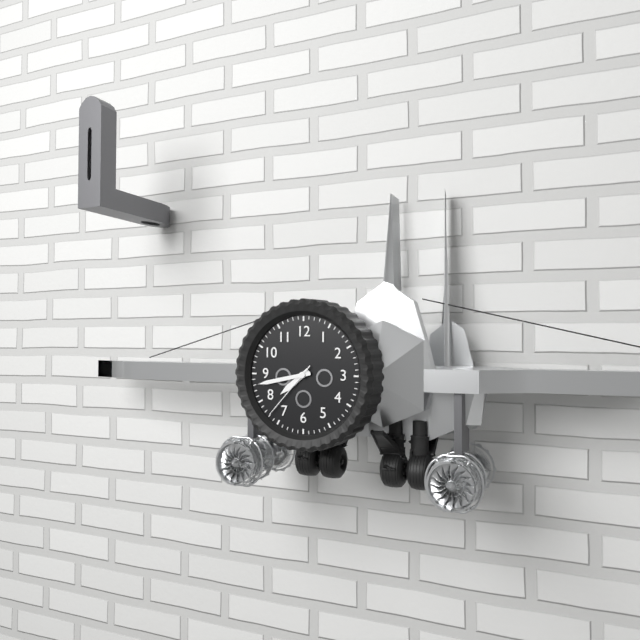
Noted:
7:43:37
